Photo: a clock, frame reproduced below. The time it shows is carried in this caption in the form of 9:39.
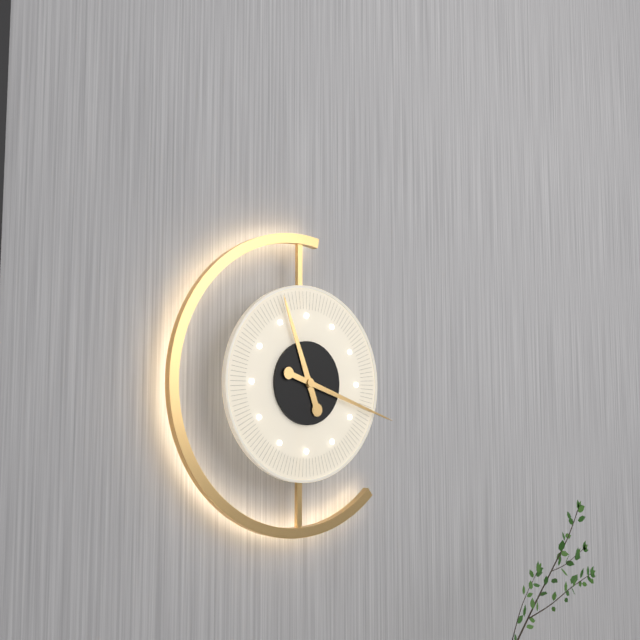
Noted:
11:18
